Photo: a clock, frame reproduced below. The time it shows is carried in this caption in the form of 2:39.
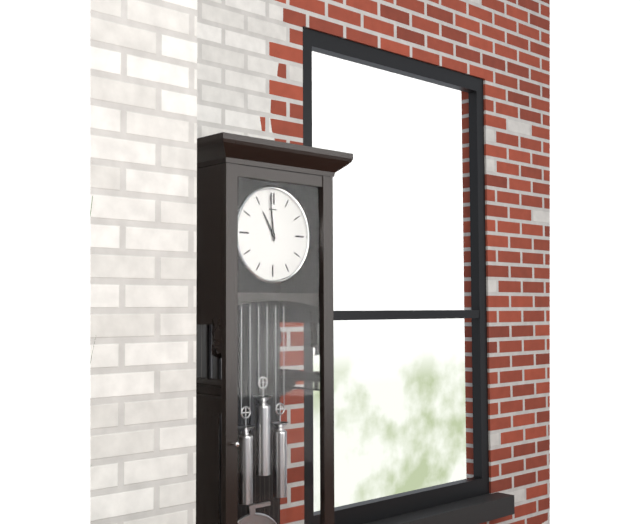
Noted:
10:59
